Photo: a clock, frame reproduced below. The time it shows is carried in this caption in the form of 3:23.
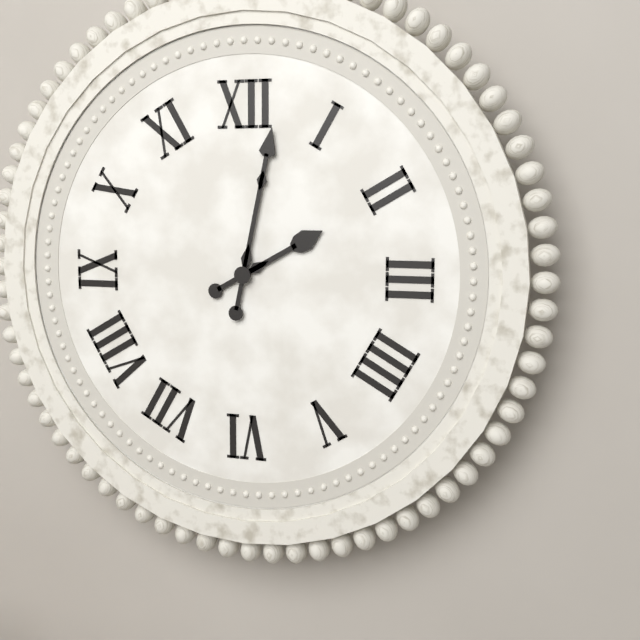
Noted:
2:02
